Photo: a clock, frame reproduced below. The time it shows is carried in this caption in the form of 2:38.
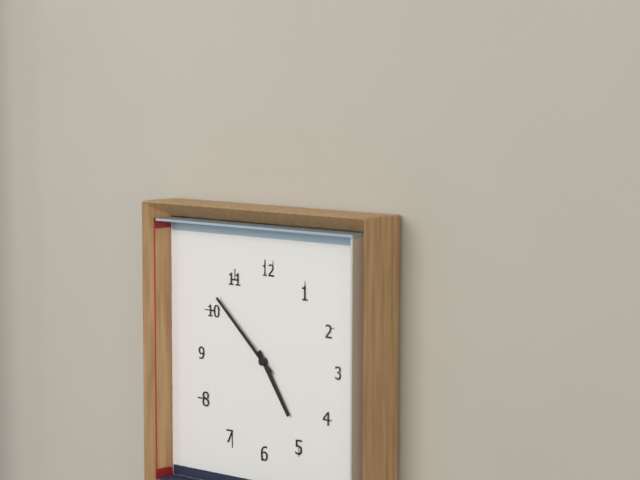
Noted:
4:52
